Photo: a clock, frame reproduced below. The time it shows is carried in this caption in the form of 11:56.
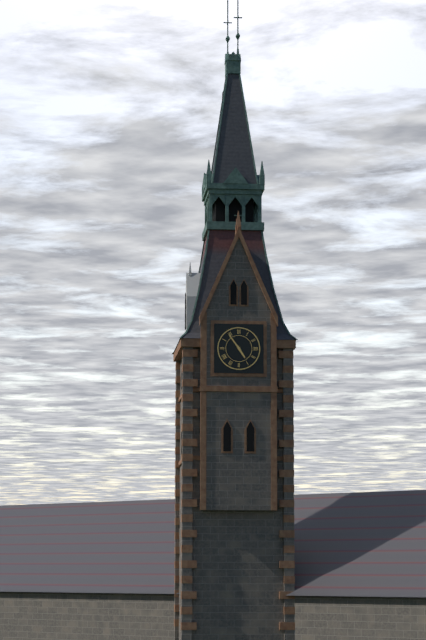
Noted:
4:54
